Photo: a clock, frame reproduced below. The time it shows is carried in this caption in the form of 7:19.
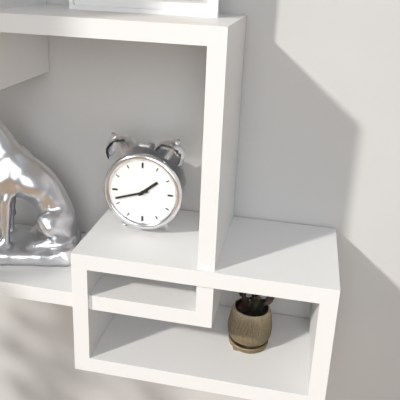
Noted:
1:42
